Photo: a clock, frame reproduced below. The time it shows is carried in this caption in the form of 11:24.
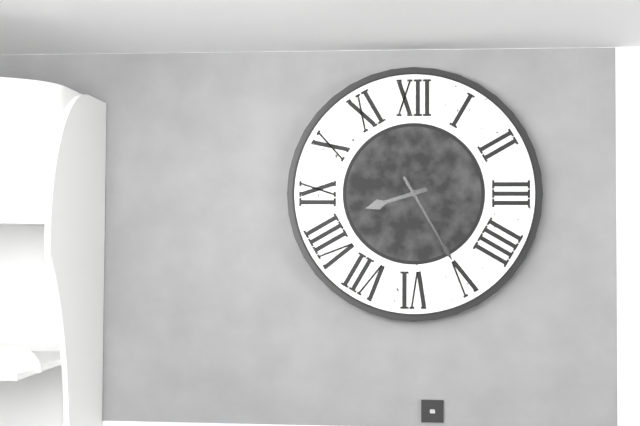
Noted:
8:25
